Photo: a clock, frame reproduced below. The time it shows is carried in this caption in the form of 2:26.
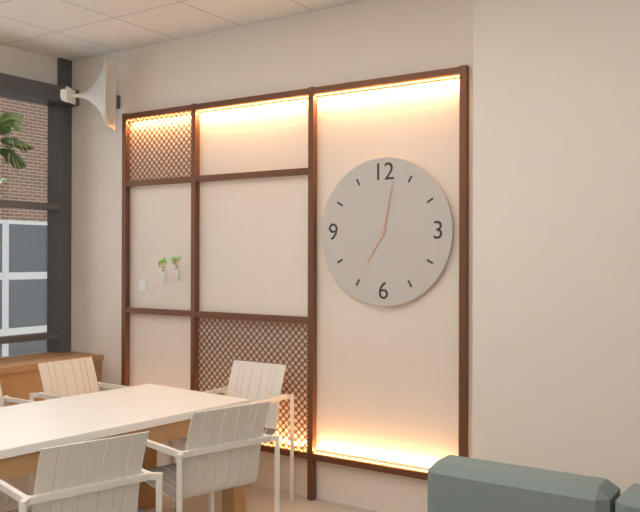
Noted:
7:02
